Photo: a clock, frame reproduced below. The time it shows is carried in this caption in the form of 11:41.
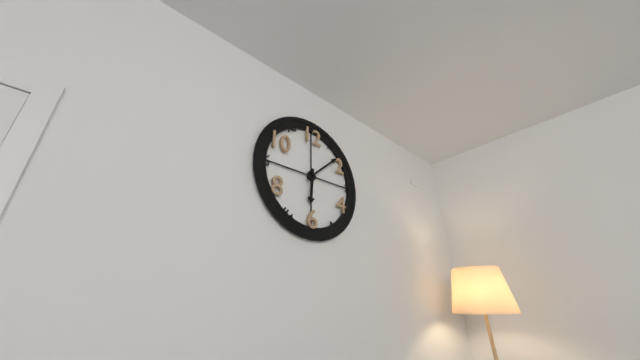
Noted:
6:08
